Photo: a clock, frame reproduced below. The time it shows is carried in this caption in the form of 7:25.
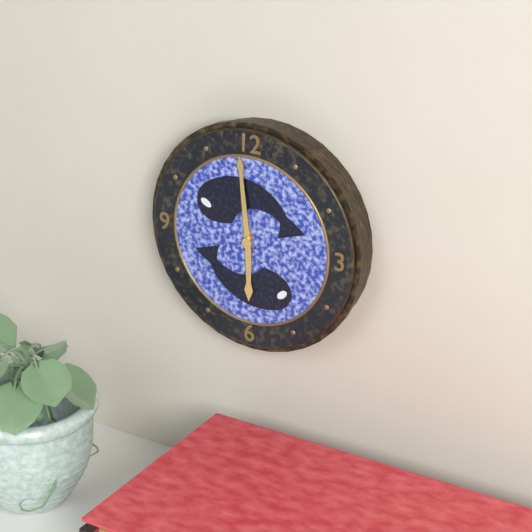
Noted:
5:59
